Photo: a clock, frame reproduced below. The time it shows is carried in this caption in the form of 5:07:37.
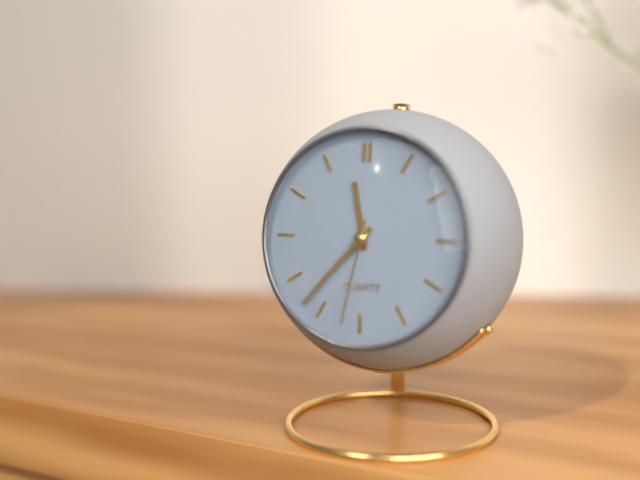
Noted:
11:37:32
